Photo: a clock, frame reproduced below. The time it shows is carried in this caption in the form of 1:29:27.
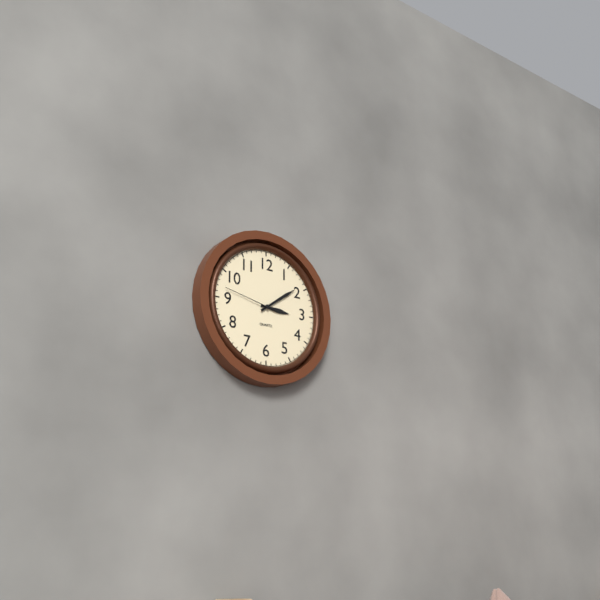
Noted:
3:09:47
